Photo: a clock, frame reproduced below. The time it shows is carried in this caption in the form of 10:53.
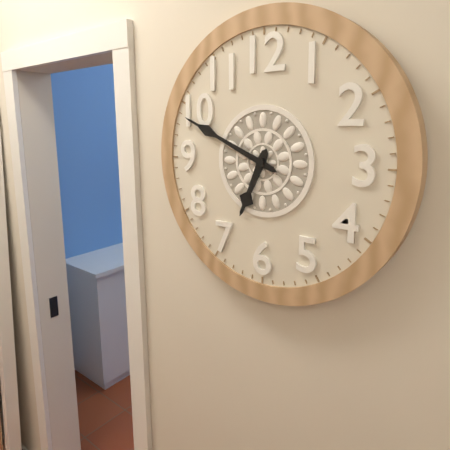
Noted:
6:49
